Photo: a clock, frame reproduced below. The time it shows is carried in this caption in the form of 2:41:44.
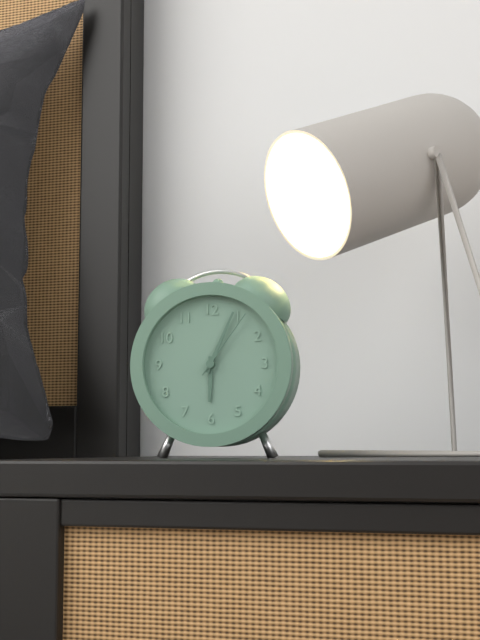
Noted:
6:04:06
